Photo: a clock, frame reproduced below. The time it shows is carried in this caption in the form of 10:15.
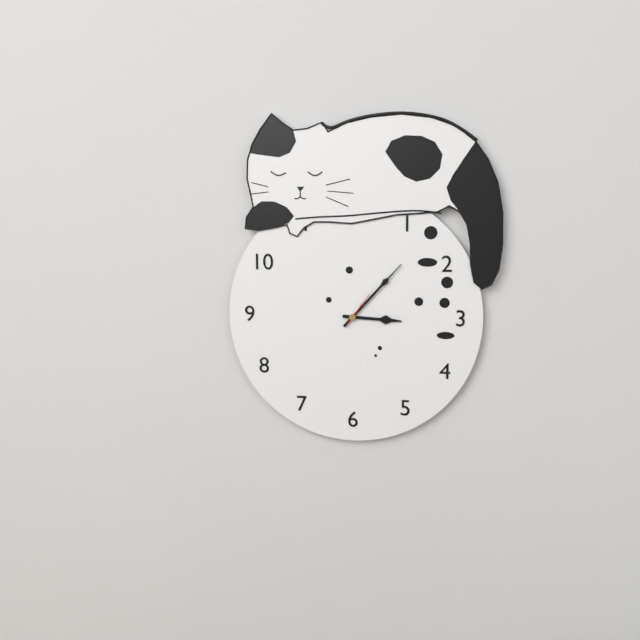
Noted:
3:07
